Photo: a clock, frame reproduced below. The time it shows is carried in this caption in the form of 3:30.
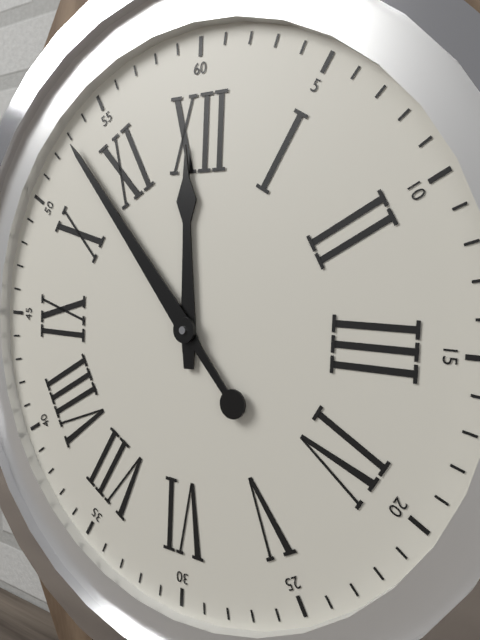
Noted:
11:53
